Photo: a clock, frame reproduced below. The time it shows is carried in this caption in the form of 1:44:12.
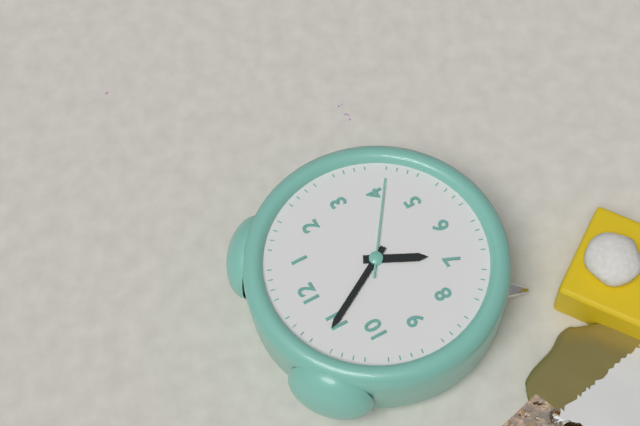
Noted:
6:55:21
